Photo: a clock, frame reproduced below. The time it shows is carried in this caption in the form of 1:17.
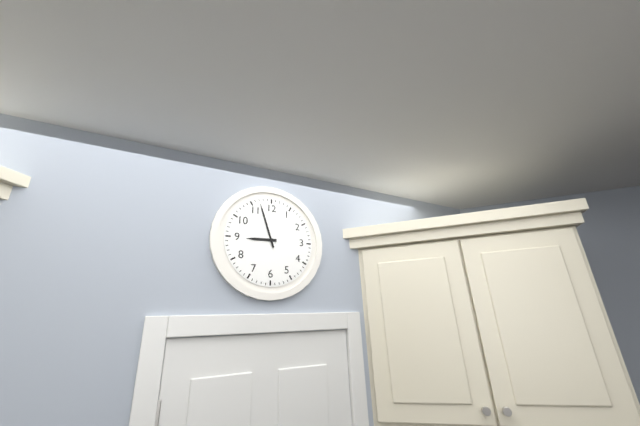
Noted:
8:57
